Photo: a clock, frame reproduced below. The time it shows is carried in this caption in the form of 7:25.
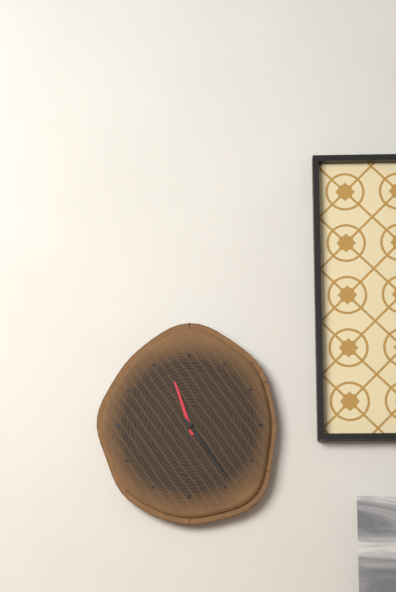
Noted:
11:24
